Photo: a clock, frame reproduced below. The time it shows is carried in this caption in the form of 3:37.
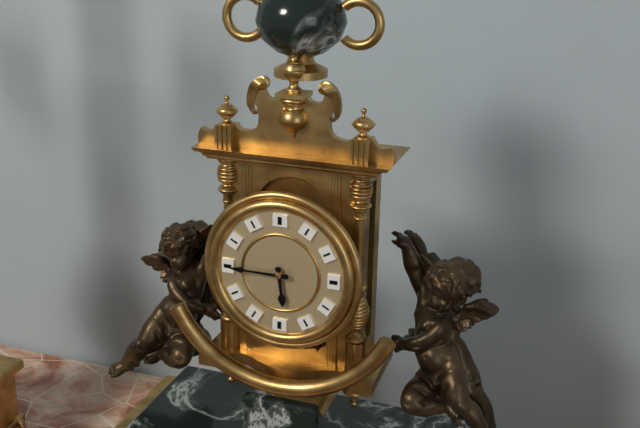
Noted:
5:45
